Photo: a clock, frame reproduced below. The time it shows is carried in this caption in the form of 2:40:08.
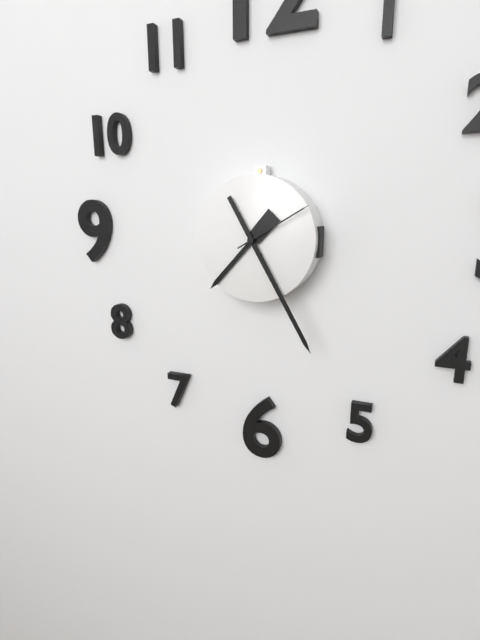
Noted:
7:25:10
